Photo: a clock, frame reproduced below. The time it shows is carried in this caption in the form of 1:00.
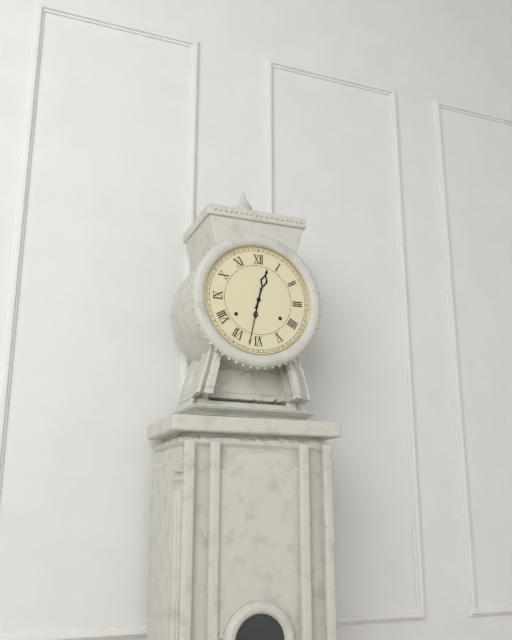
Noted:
12:32
